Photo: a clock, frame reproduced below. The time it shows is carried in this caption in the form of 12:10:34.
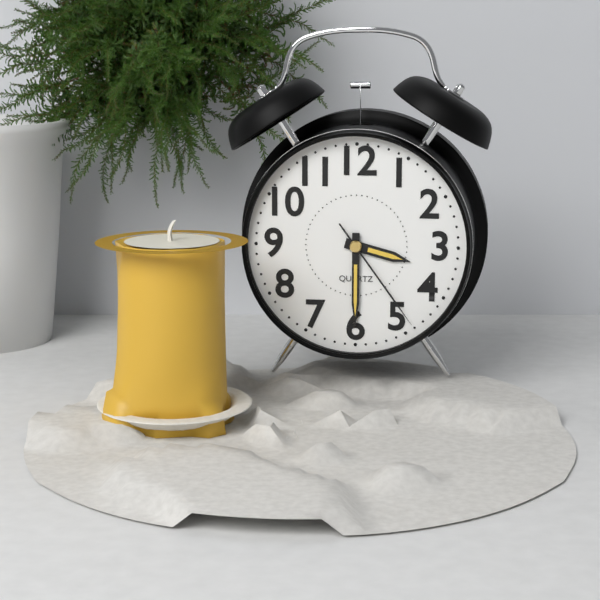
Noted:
3:30:24
